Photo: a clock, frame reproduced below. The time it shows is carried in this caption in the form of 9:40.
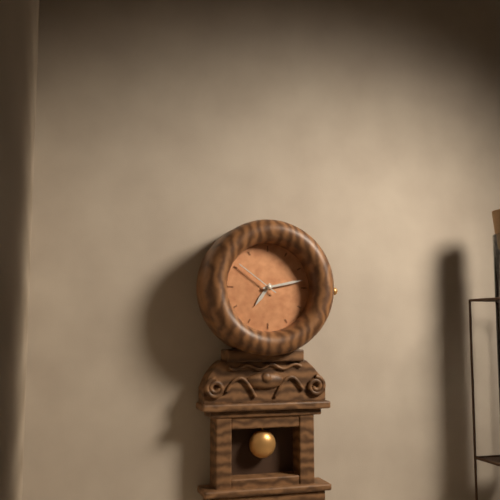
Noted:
7:13
